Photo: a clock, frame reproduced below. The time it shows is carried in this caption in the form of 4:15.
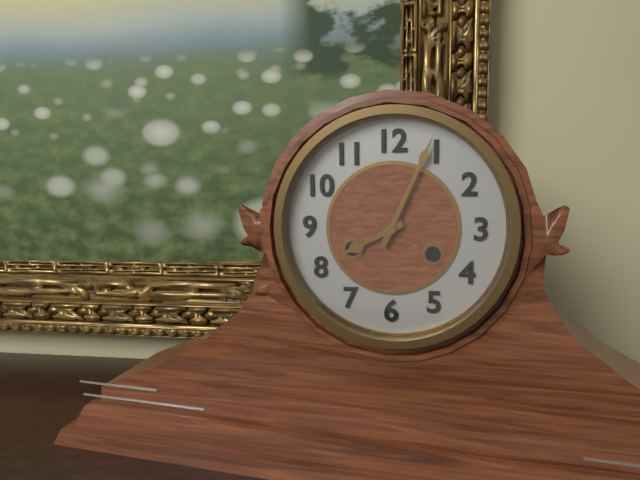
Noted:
8:04
